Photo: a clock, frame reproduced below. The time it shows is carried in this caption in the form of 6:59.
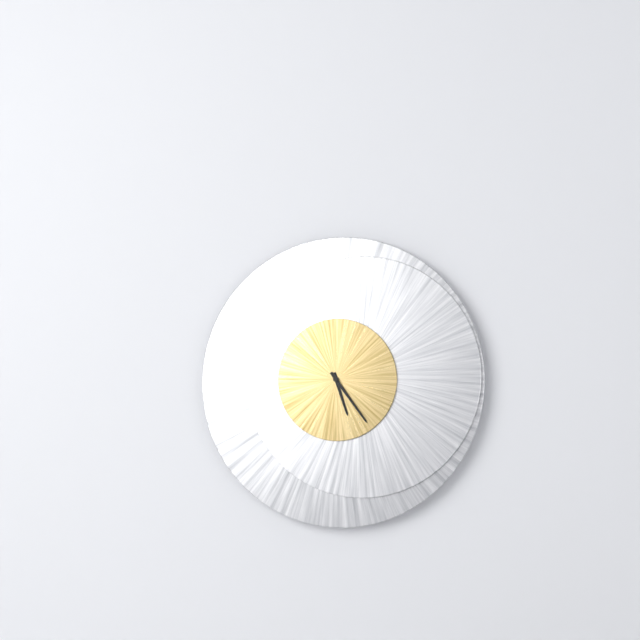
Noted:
5:24
